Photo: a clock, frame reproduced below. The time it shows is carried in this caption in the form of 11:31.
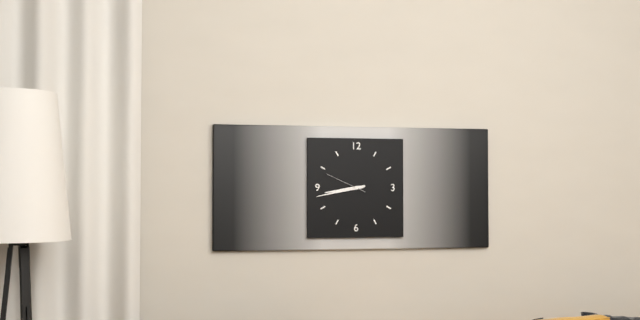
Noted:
8:43
